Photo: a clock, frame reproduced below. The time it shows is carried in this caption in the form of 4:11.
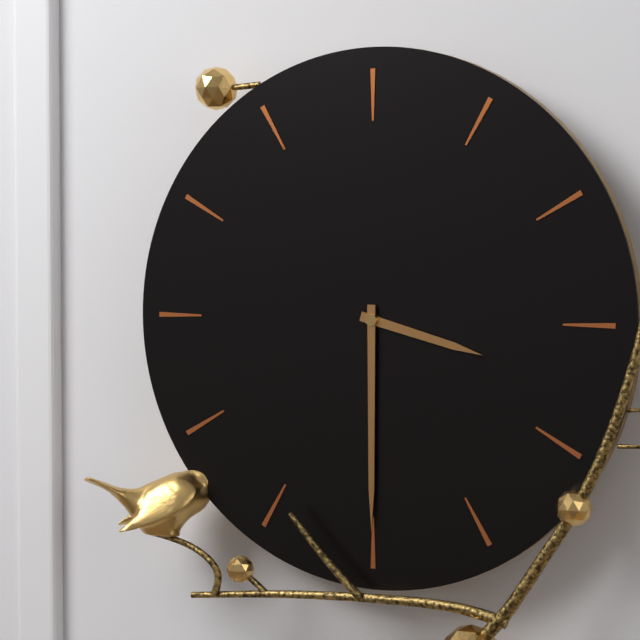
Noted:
3:30
